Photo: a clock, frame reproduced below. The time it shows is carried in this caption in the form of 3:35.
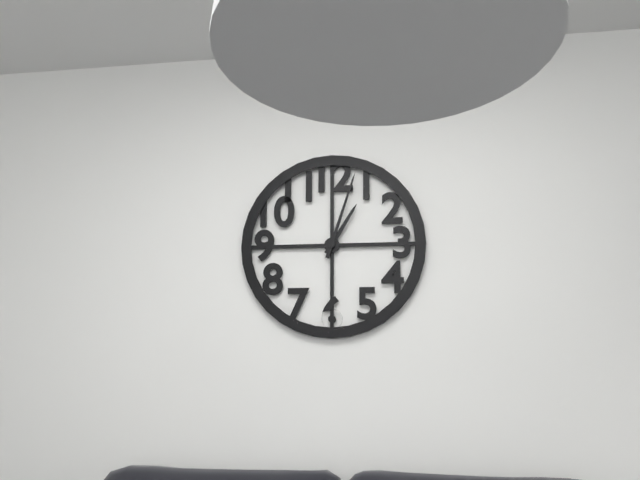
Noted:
1:03
